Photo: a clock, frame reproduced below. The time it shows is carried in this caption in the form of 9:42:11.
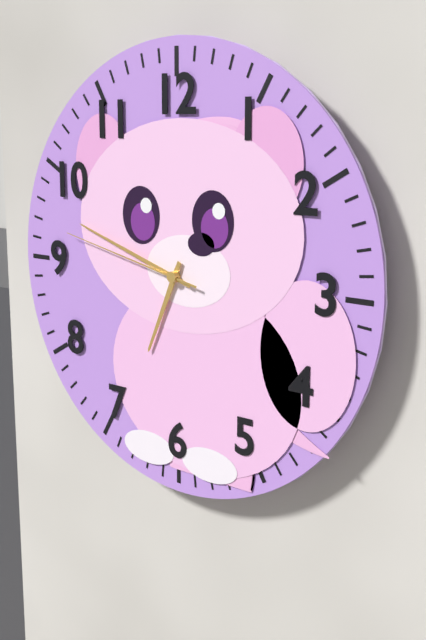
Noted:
6:48:47
